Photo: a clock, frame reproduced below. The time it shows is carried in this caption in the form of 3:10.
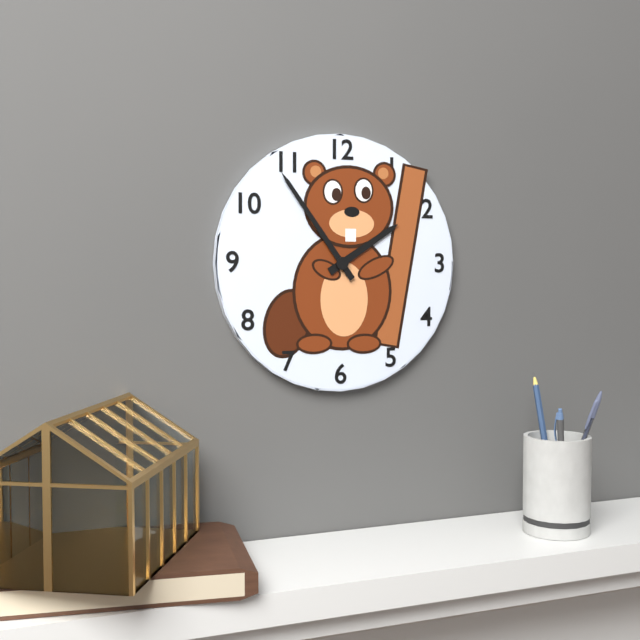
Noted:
1:54
